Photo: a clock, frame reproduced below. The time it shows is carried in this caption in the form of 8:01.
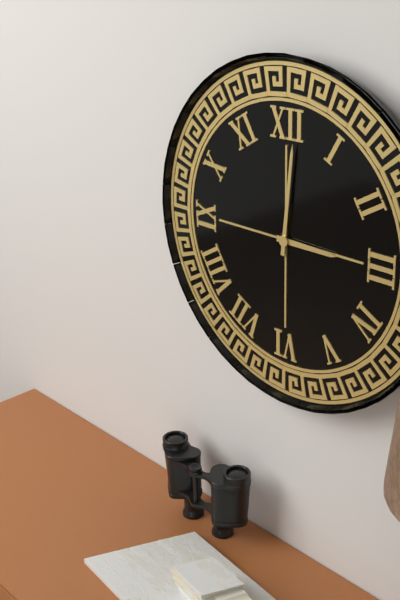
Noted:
3:01
